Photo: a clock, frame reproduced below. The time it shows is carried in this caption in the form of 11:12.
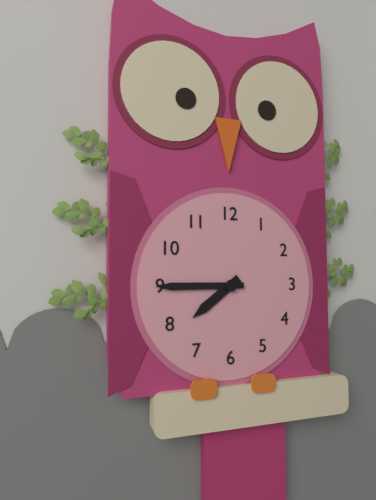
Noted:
7:45
